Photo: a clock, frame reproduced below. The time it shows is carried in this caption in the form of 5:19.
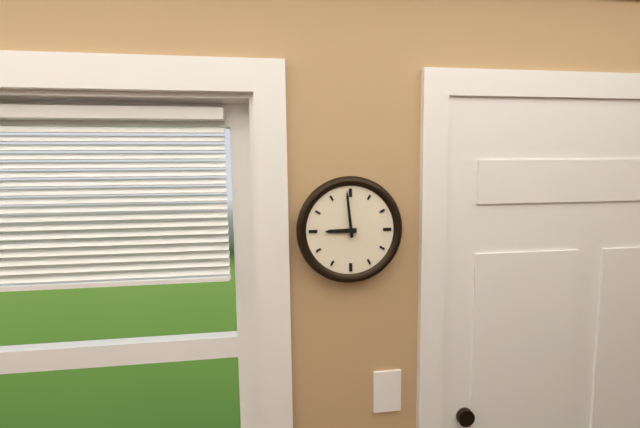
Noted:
8:59
